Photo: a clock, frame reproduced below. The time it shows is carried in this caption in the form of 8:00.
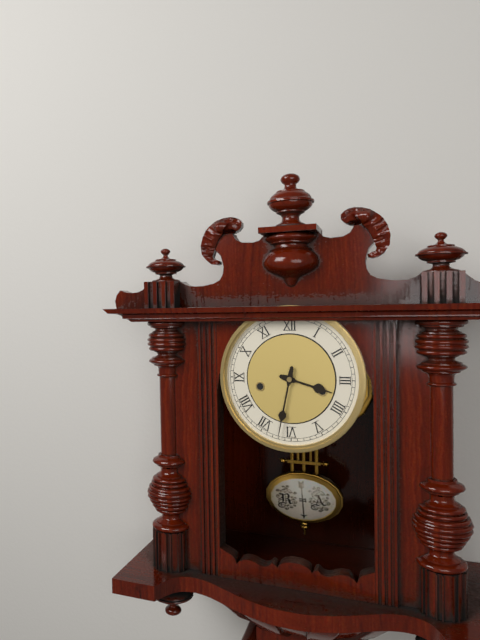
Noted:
3:32
